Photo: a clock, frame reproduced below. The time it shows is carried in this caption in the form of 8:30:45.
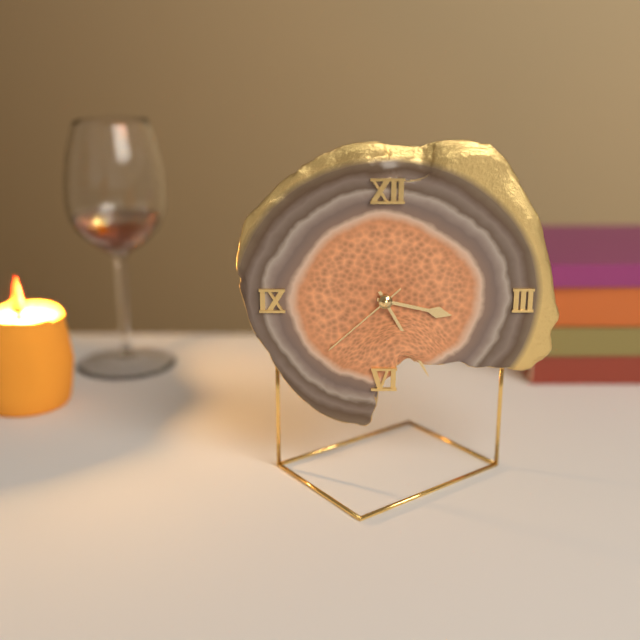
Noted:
3:25:38
